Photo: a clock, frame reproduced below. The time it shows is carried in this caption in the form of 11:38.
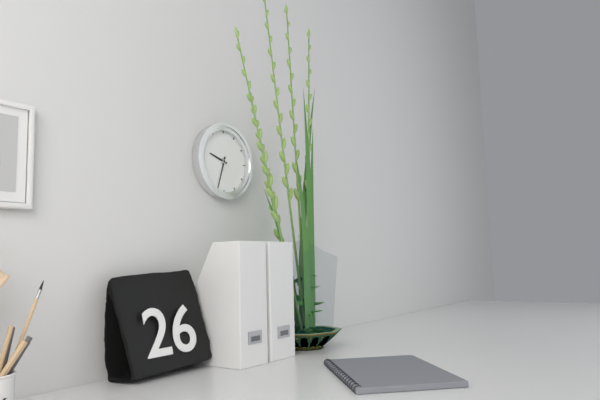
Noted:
9:33
